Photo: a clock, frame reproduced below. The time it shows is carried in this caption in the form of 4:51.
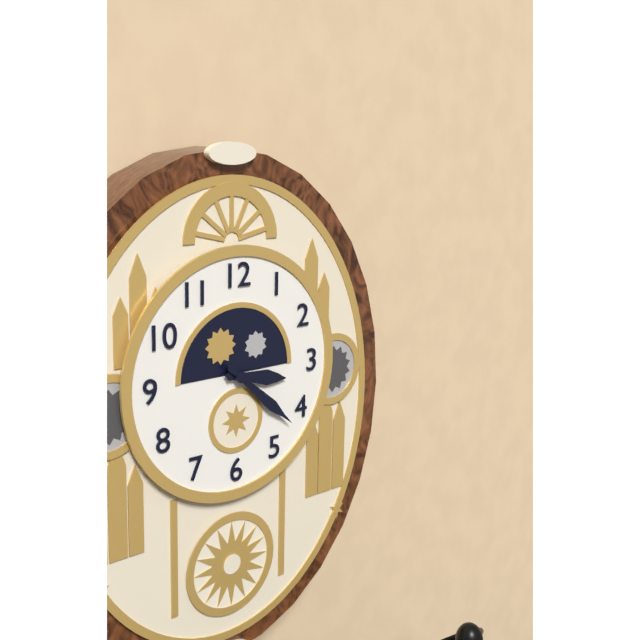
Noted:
3:22
